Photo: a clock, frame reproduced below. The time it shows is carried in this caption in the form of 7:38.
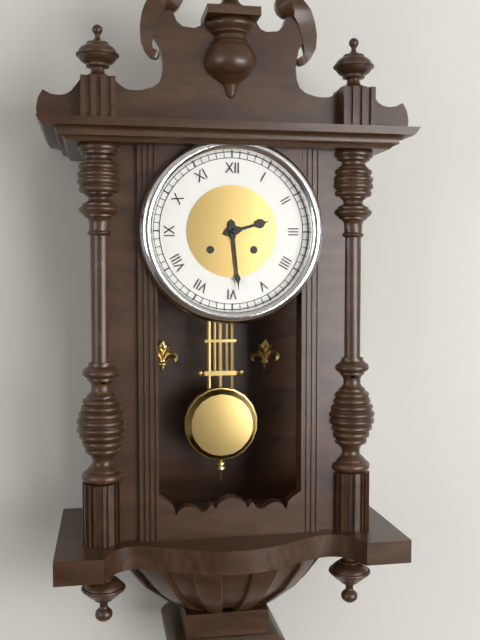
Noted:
2:29
